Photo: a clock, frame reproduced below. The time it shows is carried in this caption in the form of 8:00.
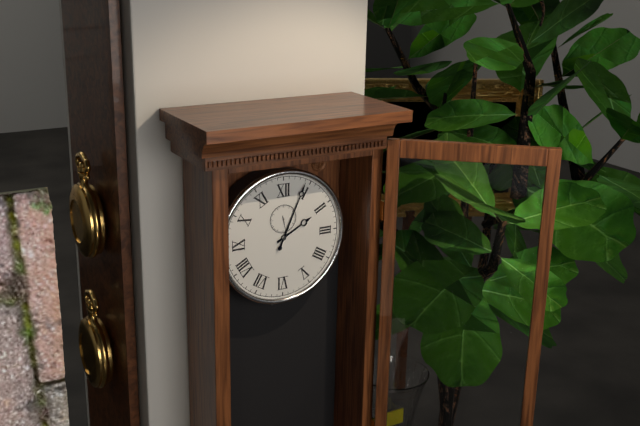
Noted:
2:04
